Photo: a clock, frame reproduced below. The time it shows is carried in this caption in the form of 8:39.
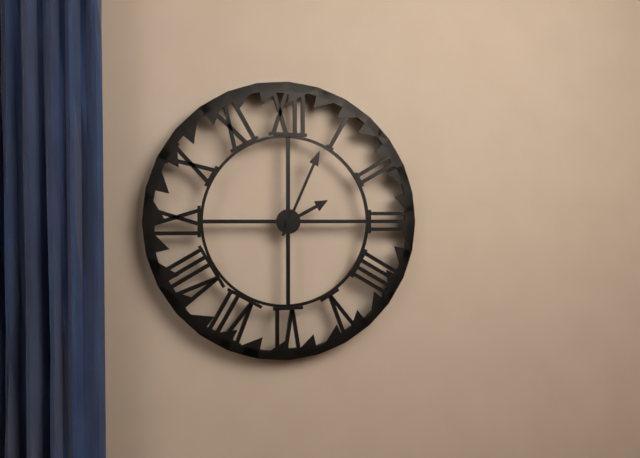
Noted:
2:04
